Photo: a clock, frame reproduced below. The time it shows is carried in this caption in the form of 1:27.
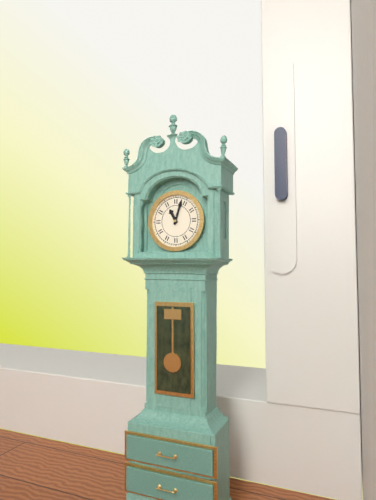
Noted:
11:03
